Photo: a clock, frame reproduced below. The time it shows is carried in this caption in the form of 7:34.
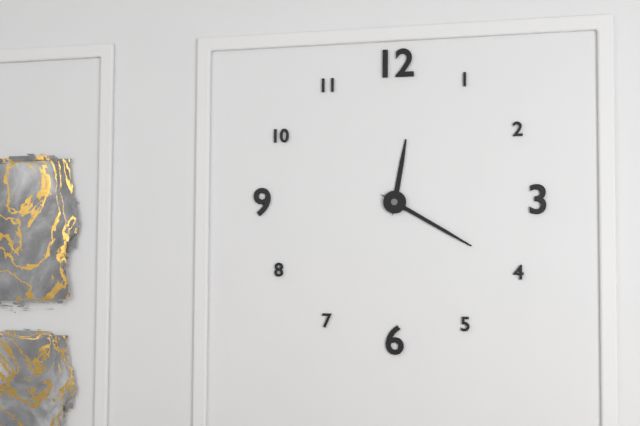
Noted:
12:20
